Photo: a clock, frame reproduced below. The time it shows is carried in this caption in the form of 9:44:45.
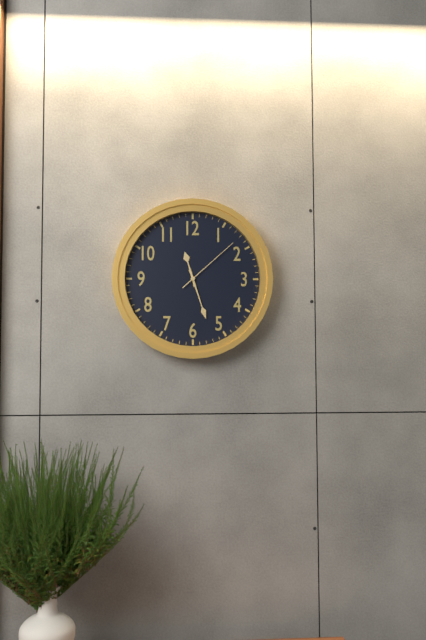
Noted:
11:27:08
